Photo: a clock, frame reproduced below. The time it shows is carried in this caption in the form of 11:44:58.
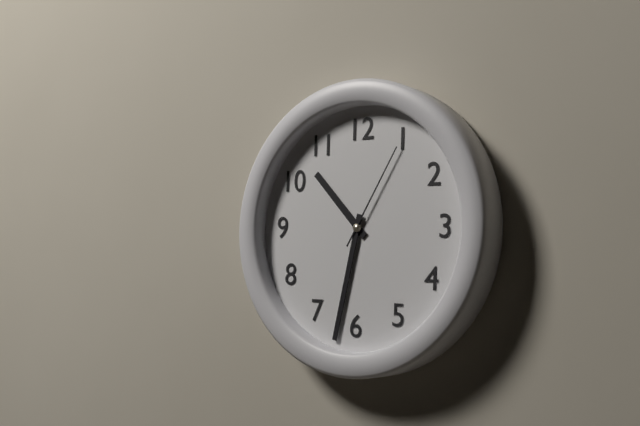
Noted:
10:32:05
